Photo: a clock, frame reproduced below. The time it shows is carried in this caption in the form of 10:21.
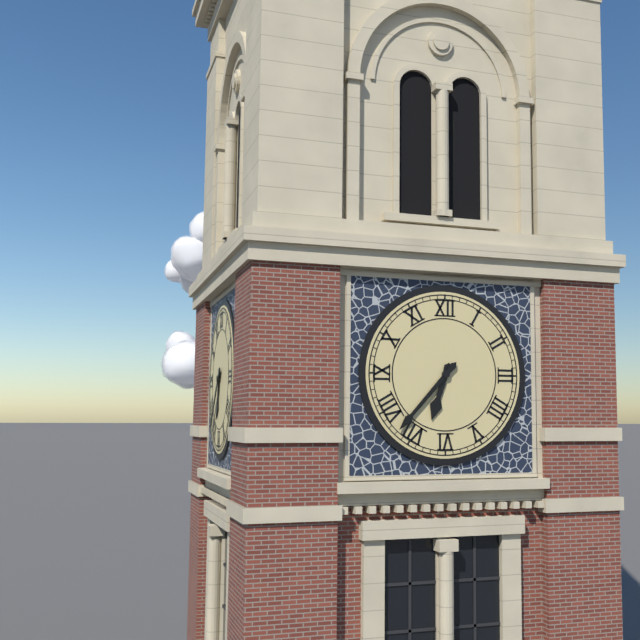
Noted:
6:37
